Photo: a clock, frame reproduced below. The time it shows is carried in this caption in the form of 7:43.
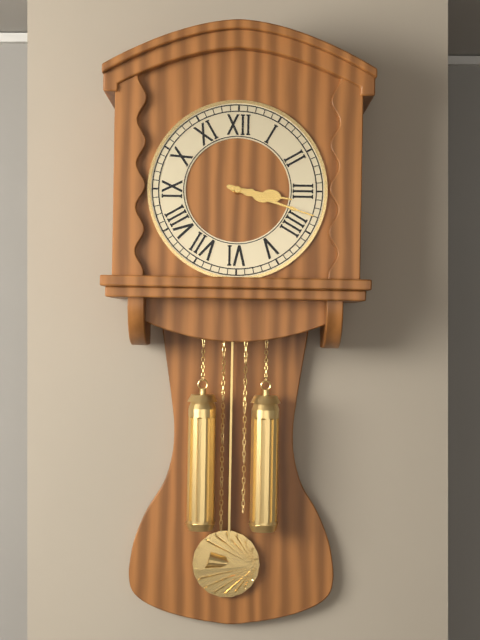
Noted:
3:18
